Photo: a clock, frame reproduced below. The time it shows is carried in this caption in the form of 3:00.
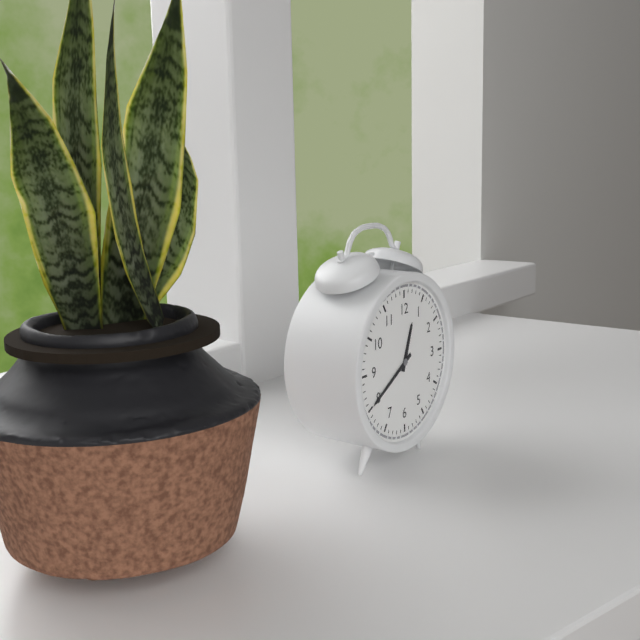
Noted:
12:40
